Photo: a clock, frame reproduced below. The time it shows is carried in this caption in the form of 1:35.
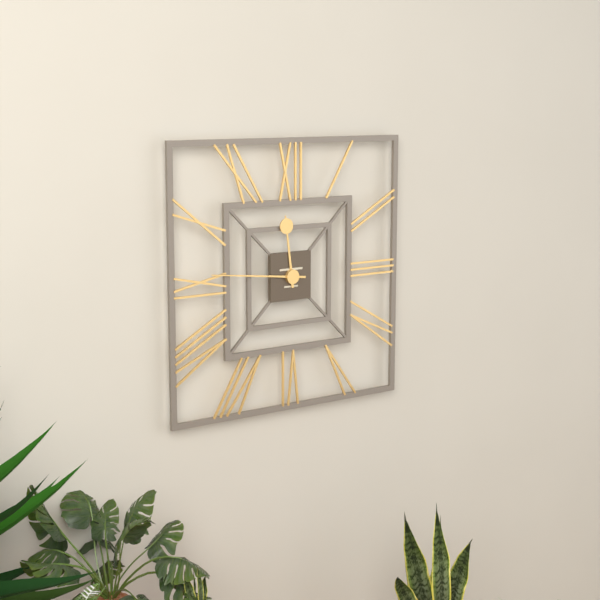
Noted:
11:46
